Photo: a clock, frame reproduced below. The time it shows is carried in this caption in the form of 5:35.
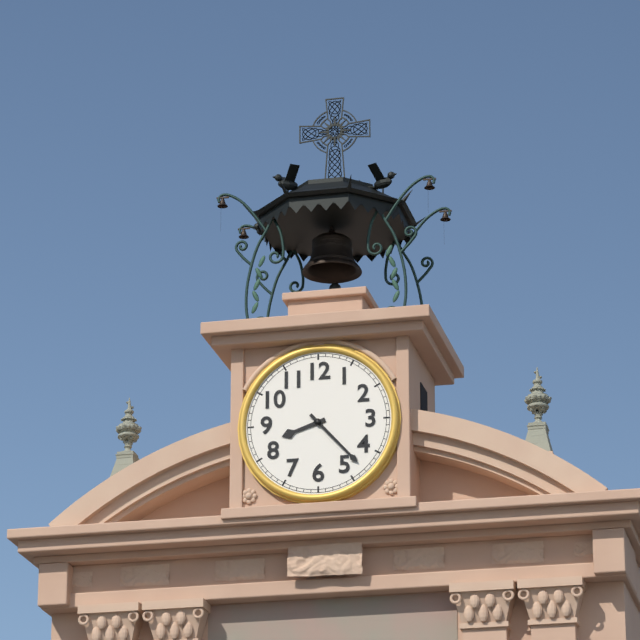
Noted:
8:23
